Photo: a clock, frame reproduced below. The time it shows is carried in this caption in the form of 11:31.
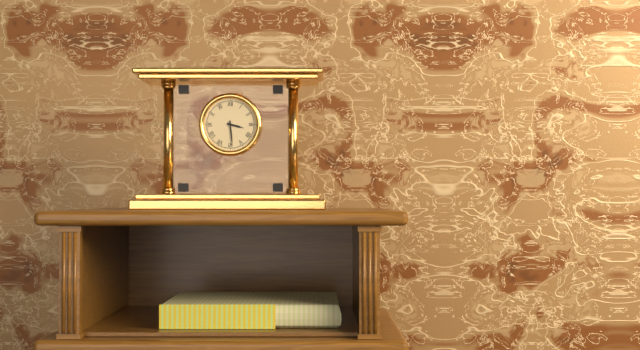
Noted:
3:29
